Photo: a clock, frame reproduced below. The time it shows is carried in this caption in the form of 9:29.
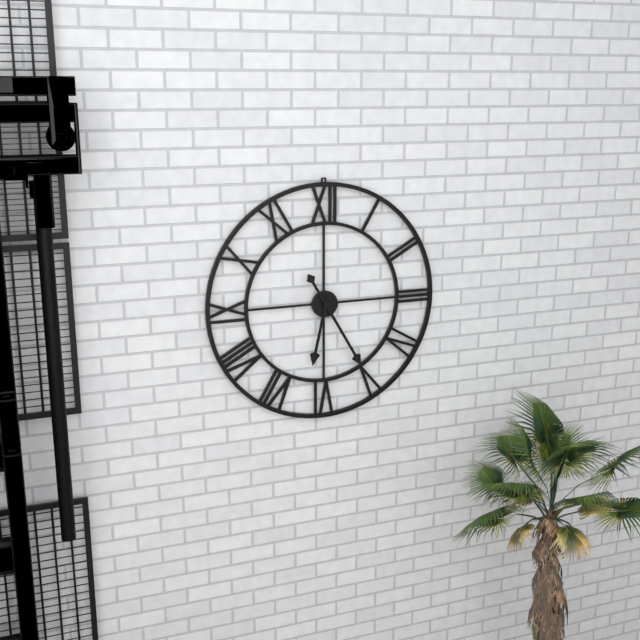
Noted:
6:25
